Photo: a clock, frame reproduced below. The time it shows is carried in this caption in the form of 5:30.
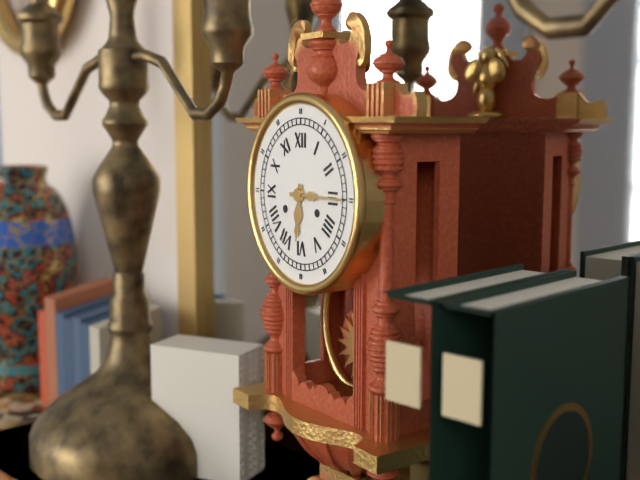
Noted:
6:15
